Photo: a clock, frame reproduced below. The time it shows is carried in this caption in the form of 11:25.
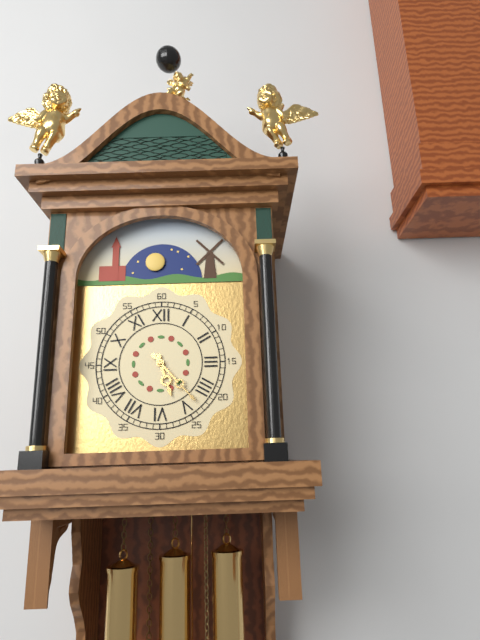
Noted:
5:23
